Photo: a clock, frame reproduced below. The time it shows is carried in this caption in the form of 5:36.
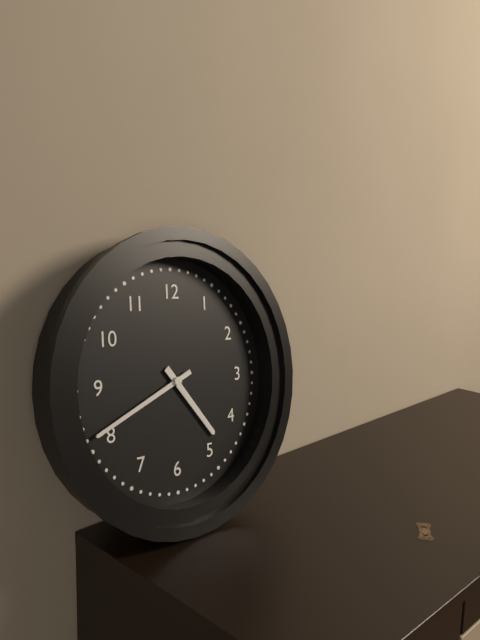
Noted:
4:41
